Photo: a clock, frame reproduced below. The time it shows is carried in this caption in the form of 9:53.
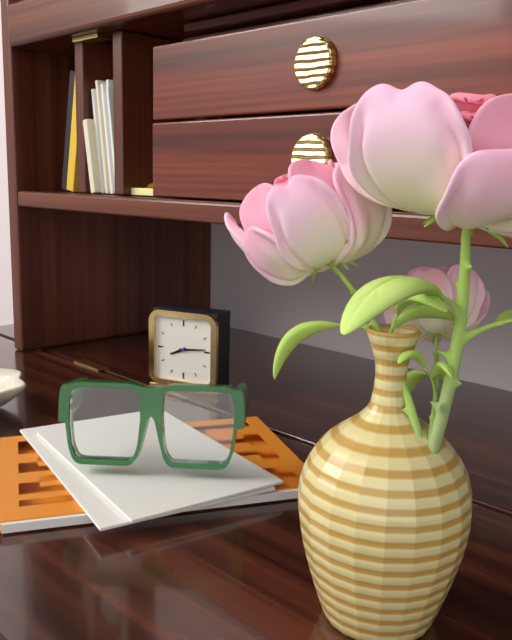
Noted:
8:14
